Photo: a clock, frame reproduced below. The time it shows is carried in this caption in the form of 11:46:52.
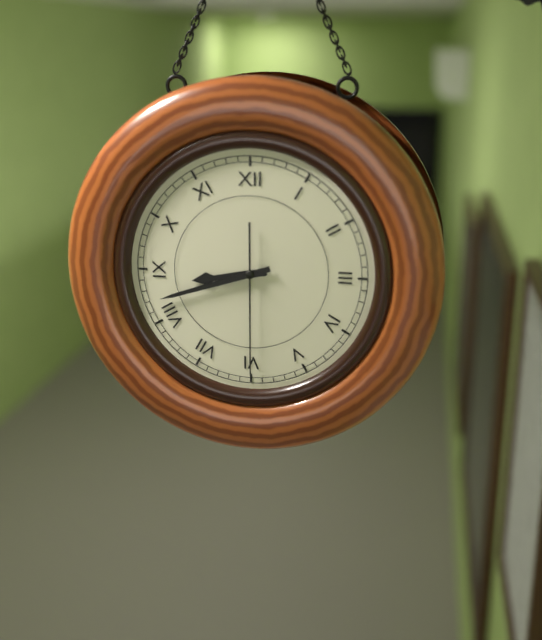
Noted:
8:42:30
